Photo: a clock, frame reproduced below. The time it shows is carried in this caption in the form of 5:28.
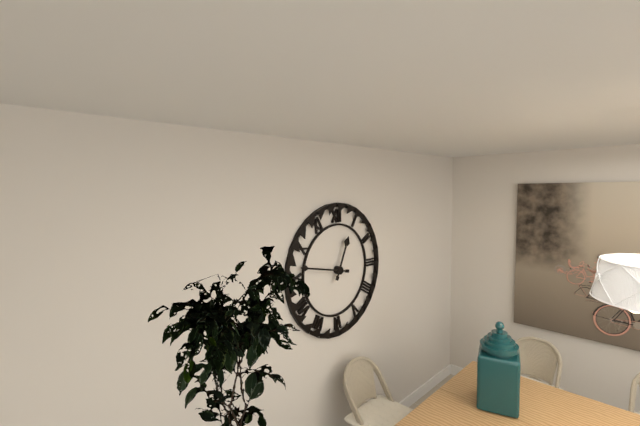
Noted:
12:47
